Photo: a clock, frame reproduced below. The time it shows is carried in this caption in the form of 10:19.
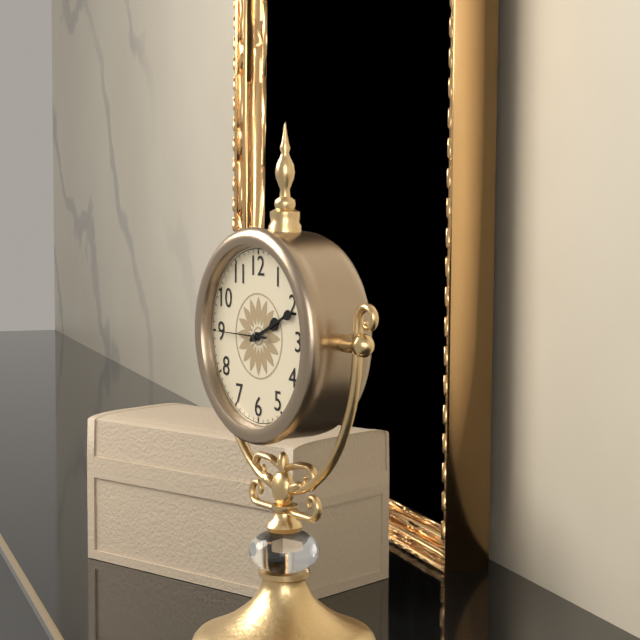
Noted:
2:11
